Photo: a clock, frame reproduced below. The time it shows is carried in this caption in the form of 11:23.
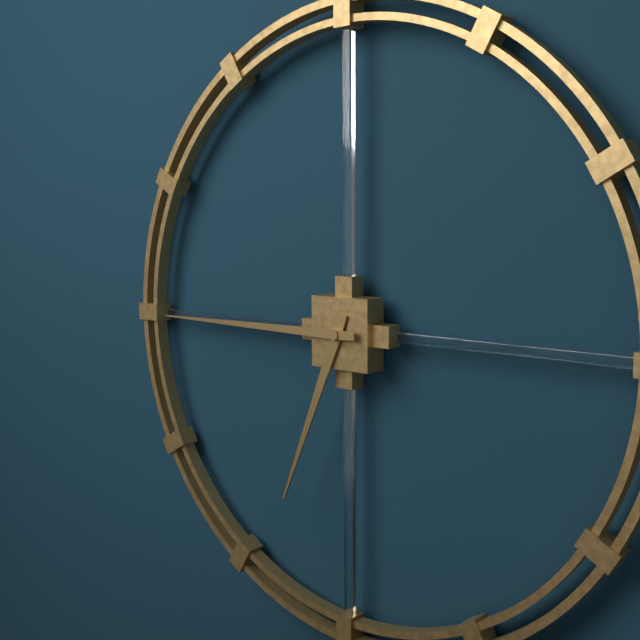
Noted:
6:45
